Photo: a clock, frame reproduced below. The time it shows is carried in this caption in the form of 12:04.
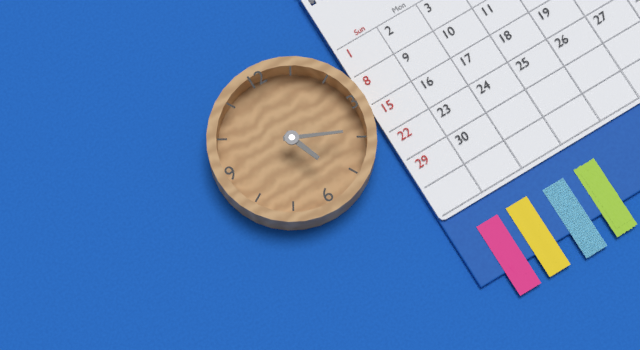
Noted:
5:19
